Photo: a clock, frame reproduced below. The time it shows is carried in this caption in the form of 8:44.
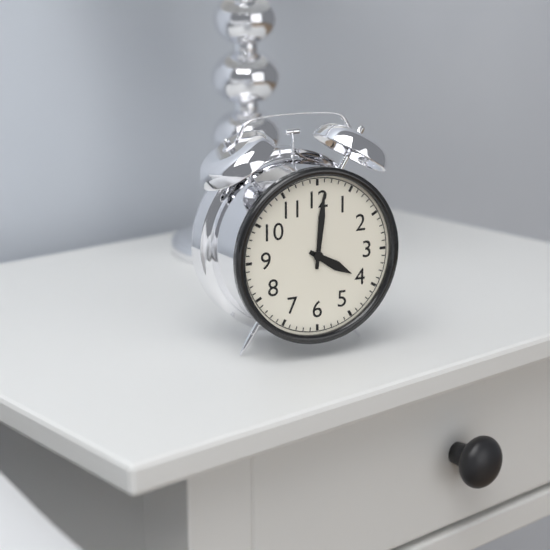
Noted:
4:01
